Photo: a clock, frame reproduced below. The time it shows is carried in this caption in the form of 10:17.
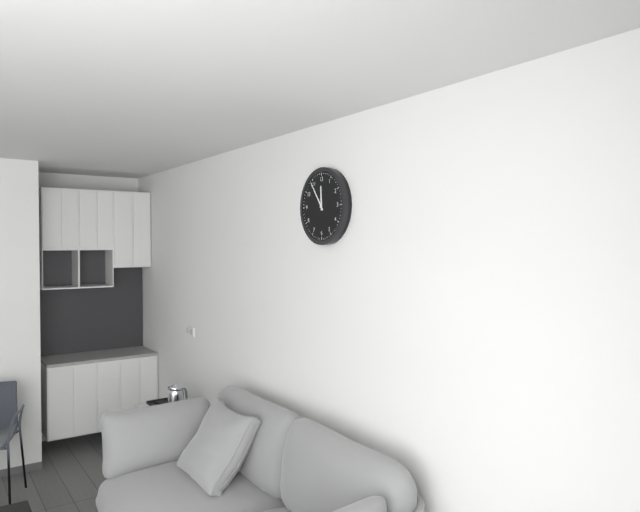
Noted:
11:54
